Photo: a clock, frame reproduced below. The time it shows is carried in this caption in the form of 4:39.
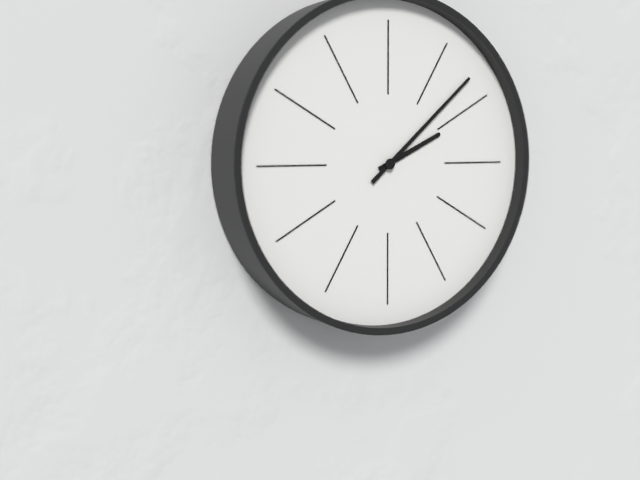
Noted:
2:08
